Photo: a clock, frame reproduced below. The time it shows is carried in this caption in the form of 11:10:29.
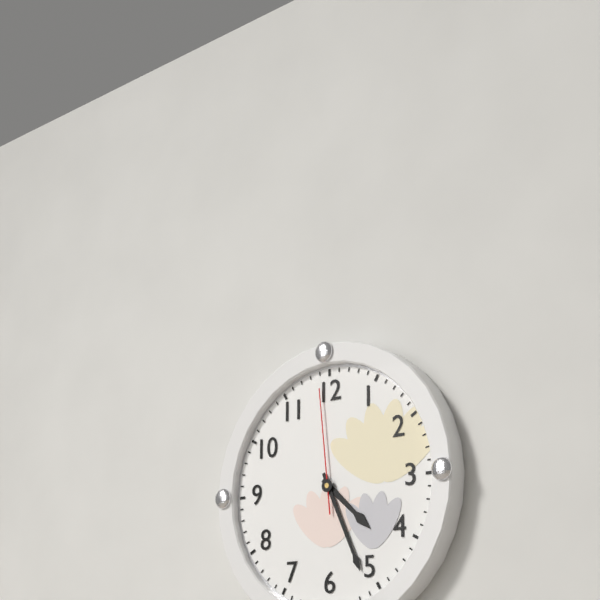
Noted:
4:26:59
